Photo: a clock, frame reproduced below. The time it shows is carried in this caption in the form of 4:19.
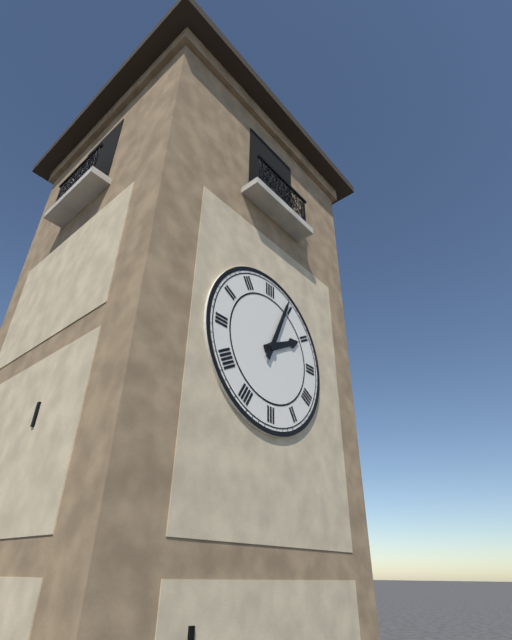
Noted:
2:04
